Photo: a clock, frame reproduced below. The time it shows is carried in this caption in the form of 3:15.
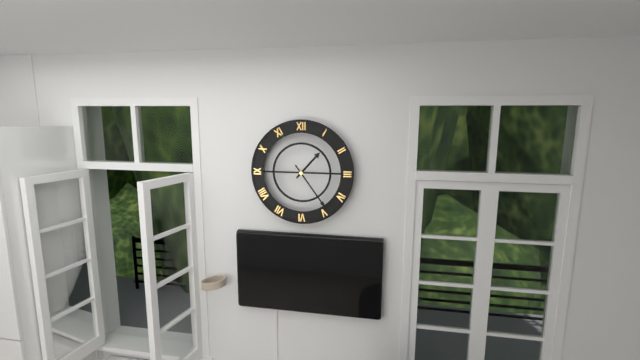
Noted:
1:24
